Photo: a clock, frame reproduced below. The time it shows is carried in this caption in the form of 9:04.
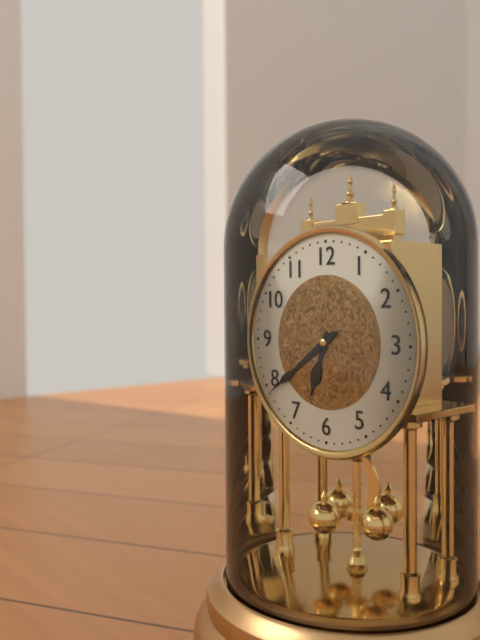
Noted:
6:39
